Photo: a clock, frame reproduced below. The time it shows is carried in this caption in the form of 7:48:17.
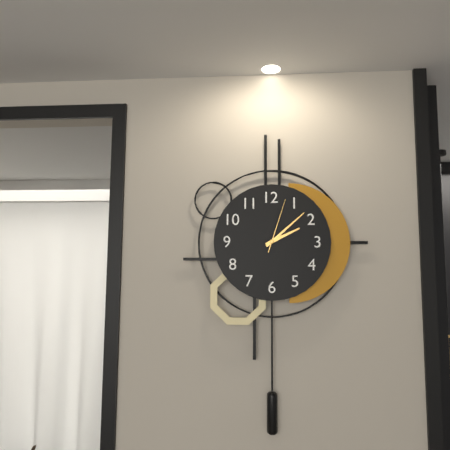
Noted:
2:08:03
